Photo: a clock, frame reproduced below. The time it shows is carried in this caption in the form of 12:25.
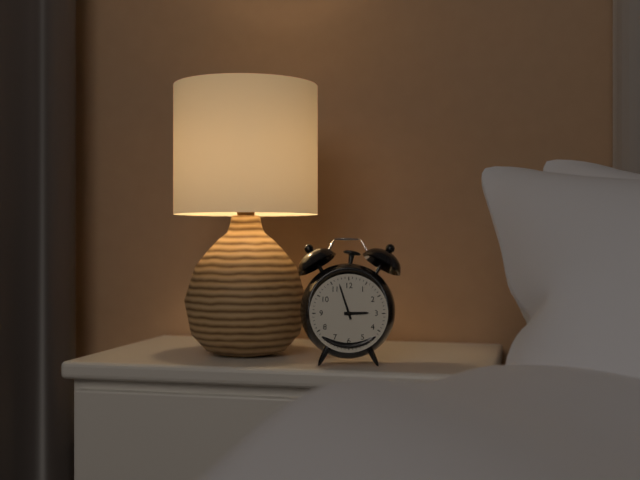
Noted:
2:57
